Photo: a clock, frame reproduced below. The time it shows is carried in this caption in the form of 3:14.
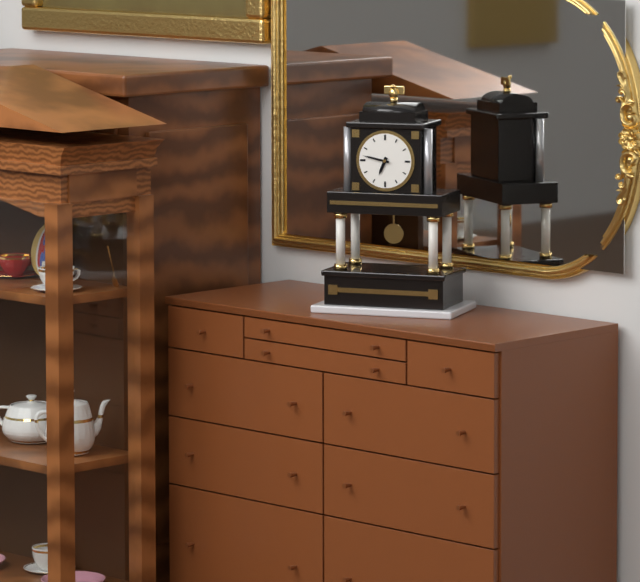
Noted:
6:47
